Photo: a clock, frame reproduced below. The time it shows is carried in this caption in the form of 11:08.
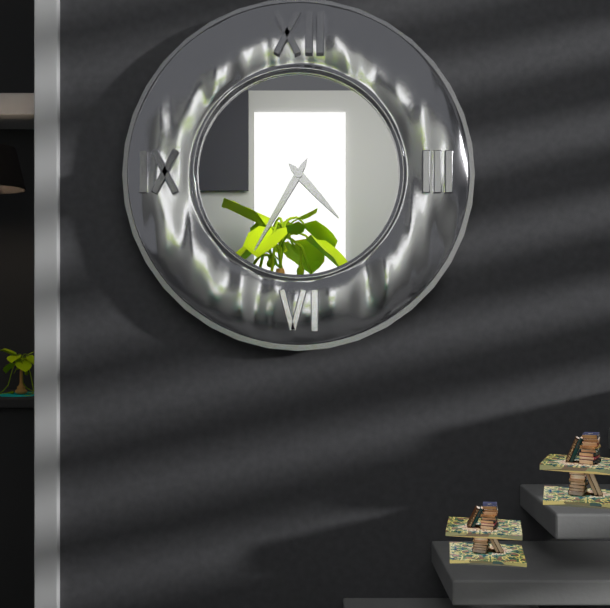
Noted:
4:35
